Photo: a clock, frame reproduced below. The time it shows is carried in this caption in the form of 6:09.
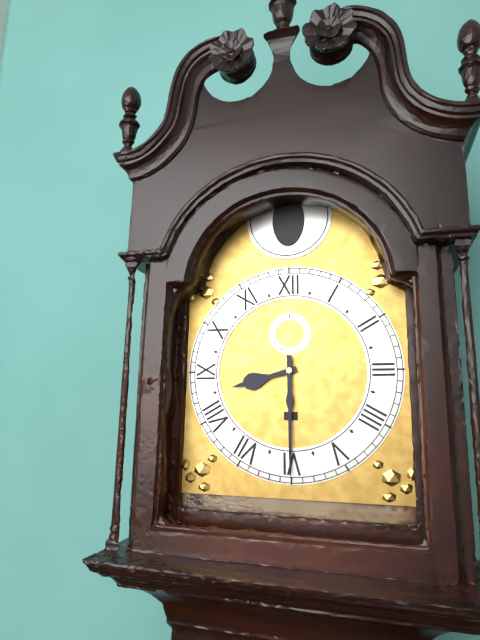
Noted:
8:30
